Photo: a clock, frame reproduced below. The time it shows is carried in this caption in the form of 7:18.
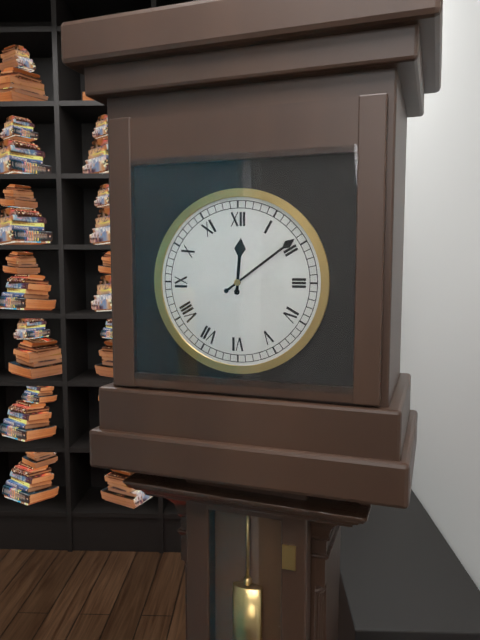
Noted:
12:09
